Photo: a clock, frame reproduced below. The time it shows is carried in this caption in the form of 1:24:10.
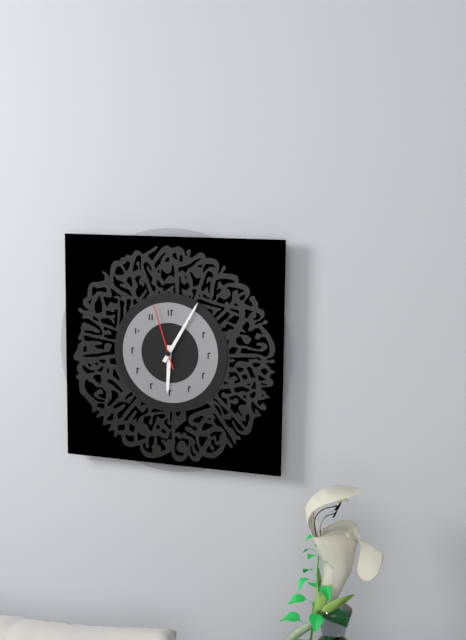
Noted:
6:05:57
